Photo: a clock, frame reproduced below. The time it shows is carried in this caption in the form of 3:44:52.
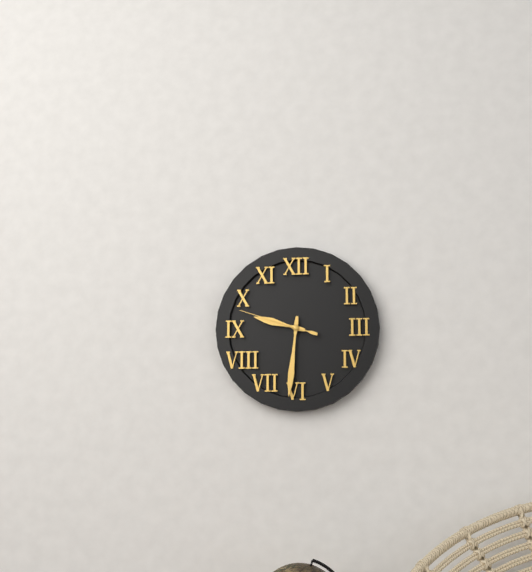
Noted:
9:31:48
